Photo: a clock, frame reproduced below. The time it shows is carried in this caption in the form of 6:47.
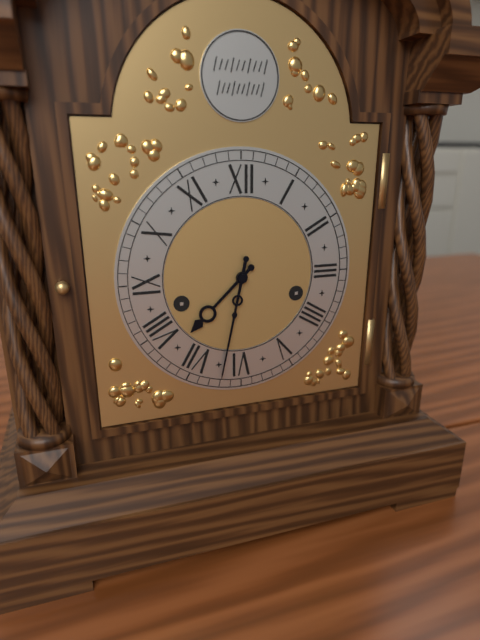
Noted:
7:32
